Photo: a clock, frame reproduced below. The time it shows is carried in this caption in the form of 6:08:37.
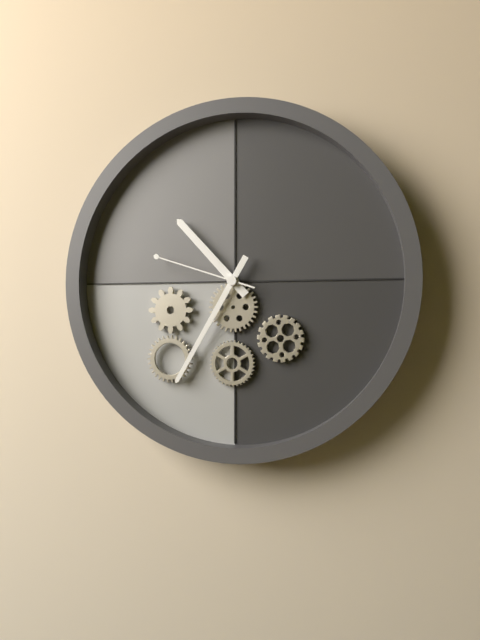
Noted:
10:35:48
